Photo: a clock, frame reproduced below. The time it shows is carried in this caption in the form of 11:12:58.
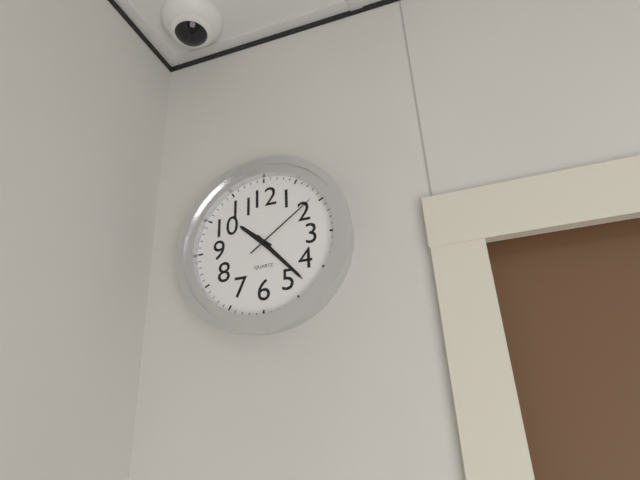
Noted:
10:23:09
